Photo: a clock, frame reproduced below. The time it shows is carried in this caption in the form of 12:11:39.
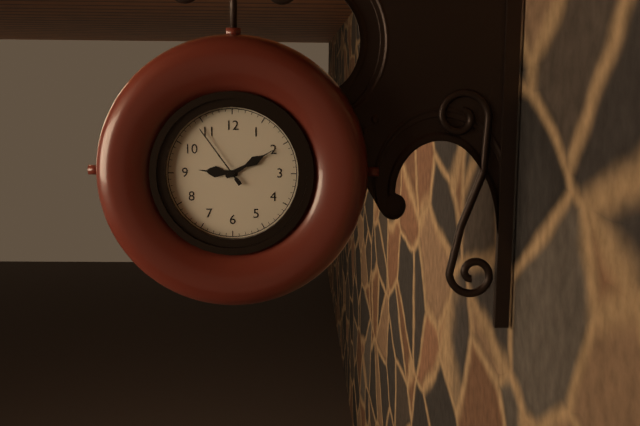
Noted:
9:10:54
